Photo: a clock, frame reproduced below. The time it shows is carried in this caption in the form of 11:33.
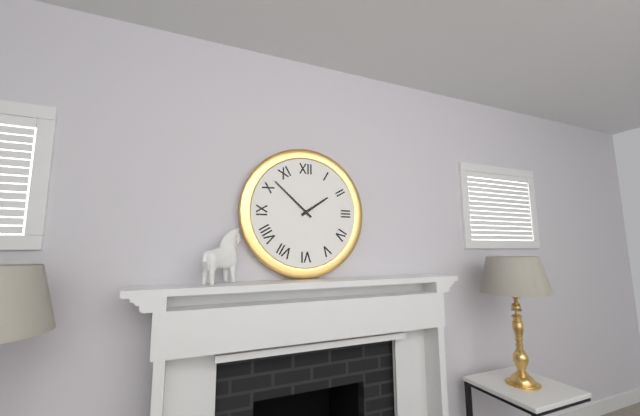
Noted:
1:52
